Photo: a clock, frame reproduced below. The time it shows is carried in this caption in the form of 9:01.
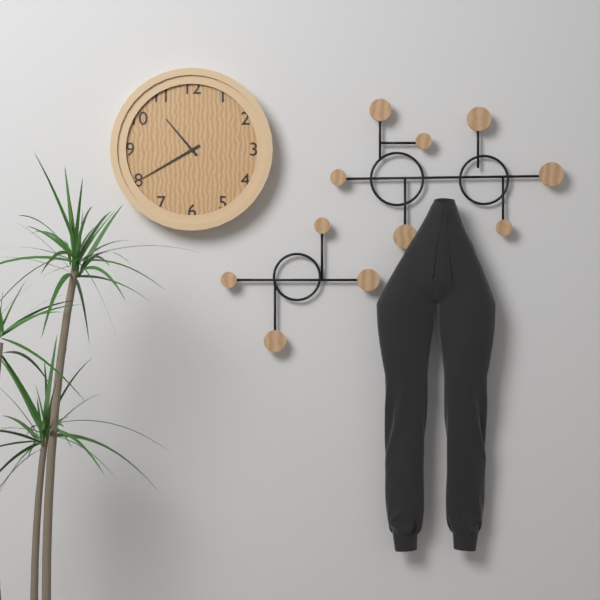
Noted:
10:40
